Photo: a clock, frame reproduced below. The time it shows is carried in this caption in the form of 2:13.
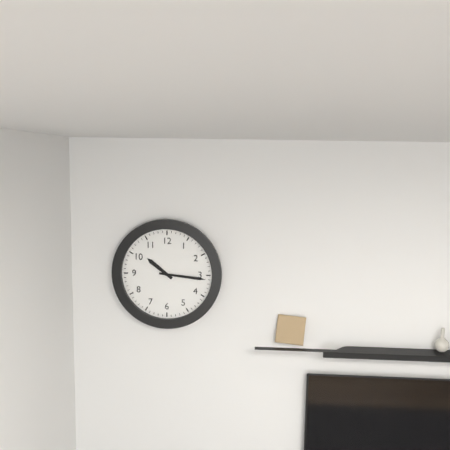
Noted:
10:16
